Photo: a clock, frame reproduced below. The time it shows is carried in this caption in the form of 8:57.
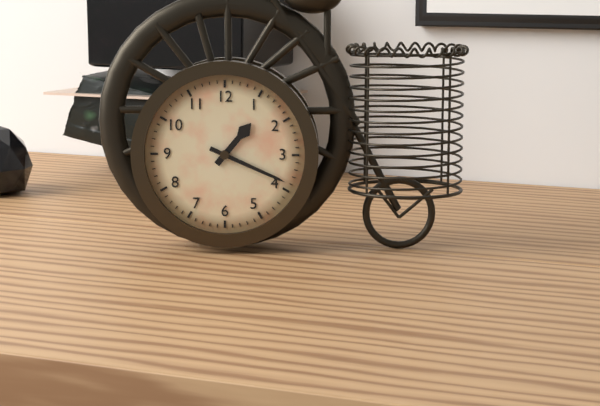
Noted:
1:19
